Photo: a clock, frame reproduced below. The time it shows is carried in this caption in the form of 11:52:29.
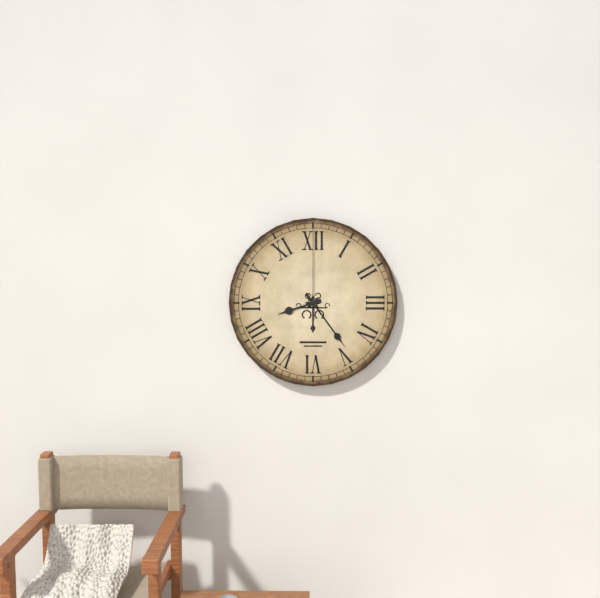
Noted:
8:24:00
